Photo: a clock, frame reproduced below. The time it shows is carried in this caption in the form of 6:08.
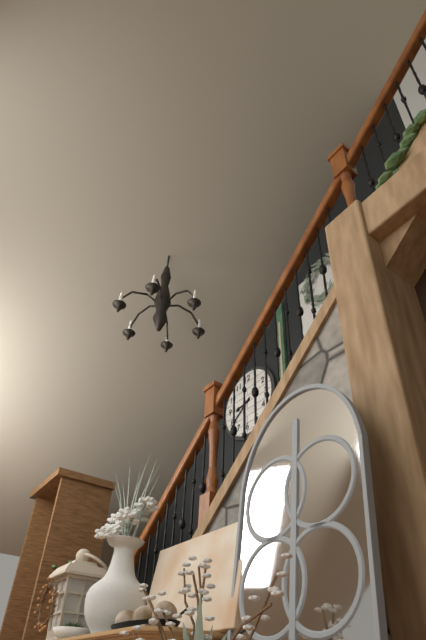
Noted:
8:39
